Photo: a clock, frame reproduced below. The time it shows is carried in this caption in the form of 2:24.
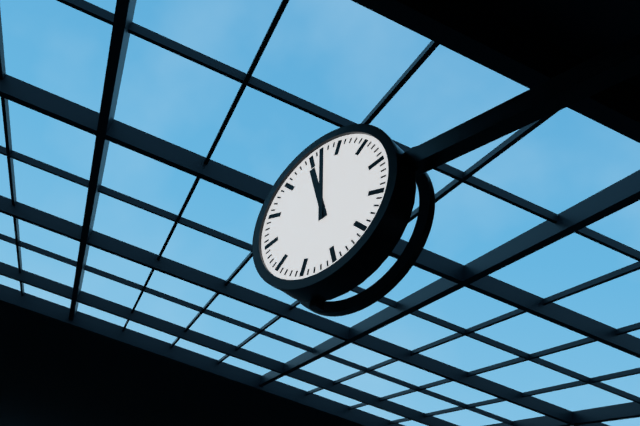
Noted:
10:57
